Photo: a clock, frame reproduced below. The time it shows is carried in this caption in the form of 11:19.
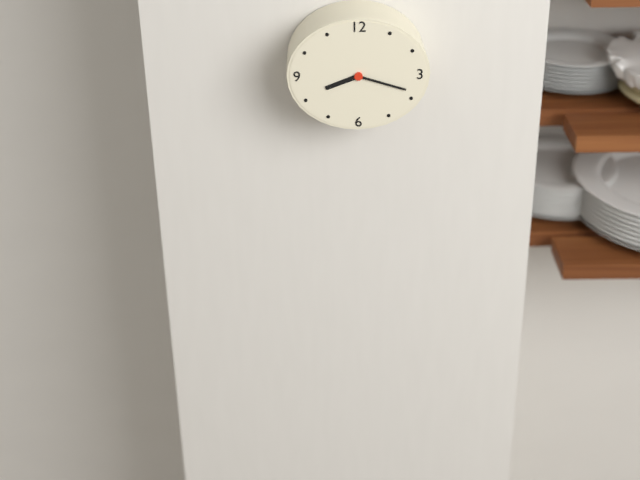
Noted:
8:18
